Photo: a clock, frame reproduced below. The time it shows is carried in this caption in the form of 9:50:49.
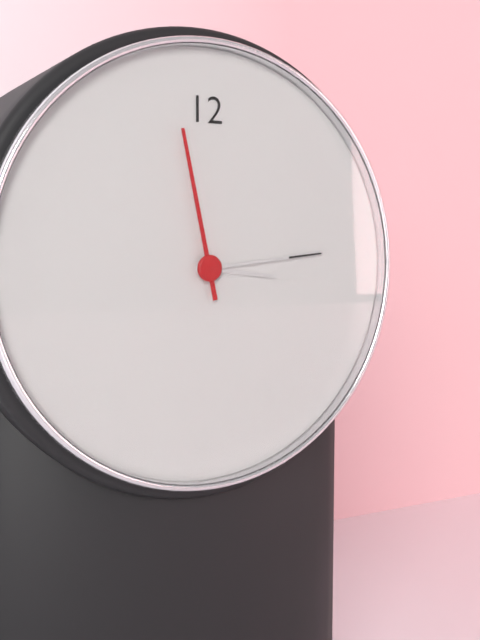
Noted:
3:14:58
